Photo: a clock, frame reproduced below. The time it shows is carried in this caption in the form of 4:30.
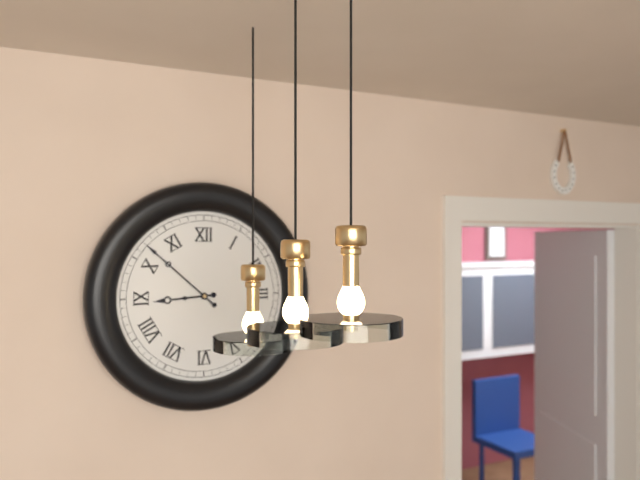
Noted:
8:52
